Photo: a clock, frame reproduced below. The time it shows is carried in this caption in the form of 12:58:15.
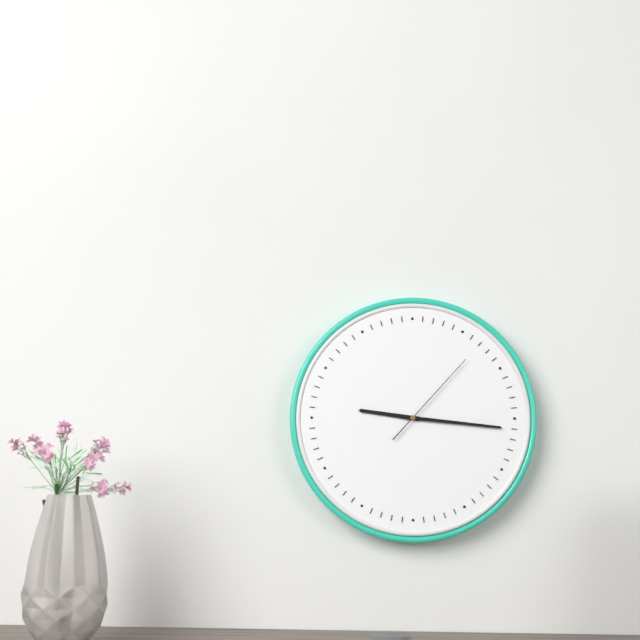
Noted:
9:16:07
